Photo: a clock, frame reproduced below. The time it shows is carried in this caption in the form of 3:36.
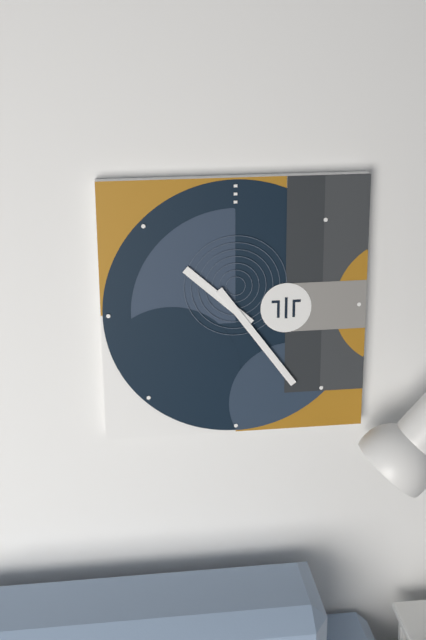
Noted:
10:24
